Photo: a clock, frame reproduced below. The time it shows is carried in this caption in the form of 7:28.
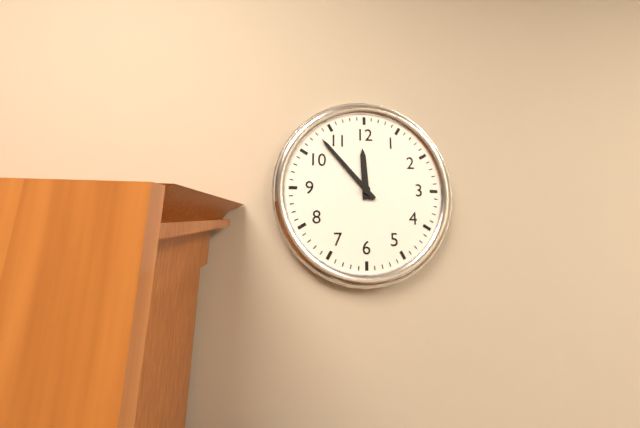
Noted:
11:53
